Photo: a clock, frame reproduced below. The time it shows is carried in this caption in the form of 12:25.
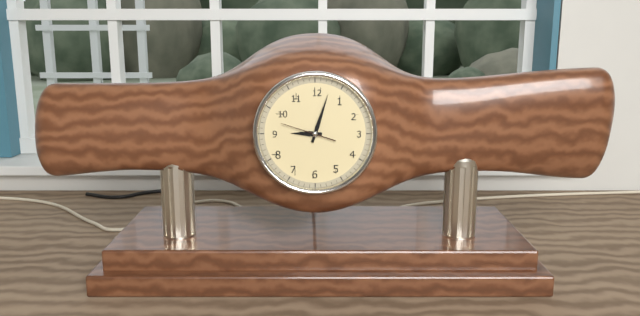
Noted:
9:03
